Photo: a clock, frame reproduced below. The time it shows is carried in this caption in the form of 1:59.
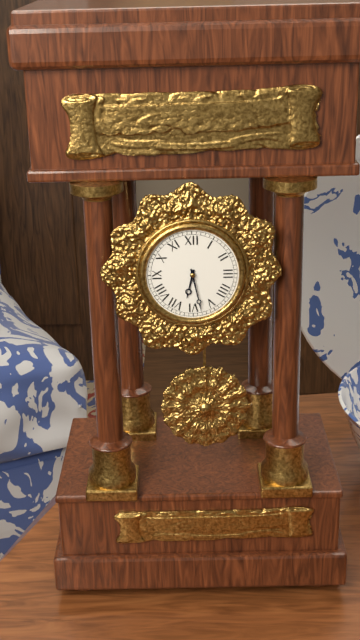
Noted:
6:28
